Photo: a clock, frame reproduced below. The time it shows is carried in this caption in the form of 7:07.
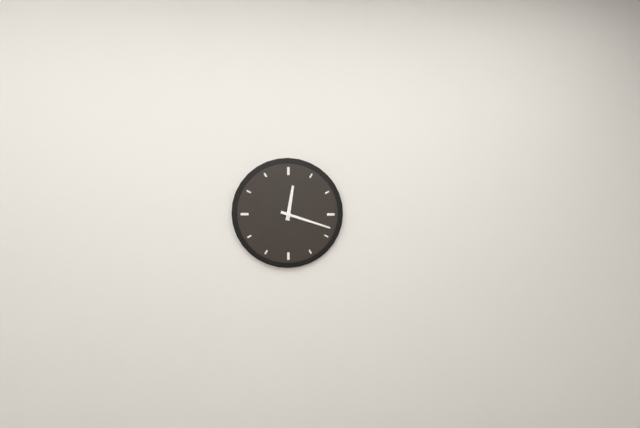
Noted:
12:18
